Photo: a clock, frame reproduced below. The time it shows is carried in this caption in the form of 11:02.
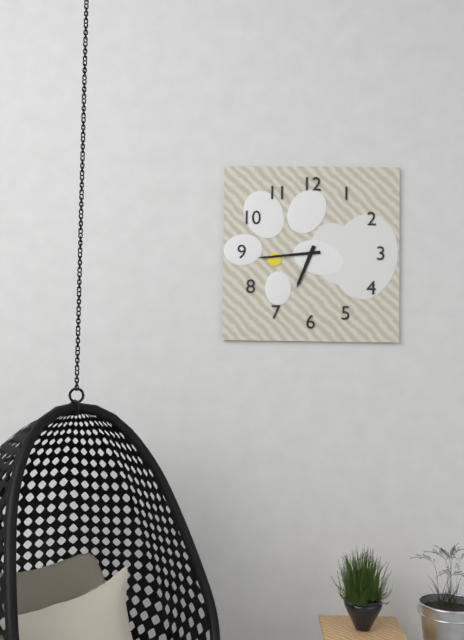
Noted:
6:44
